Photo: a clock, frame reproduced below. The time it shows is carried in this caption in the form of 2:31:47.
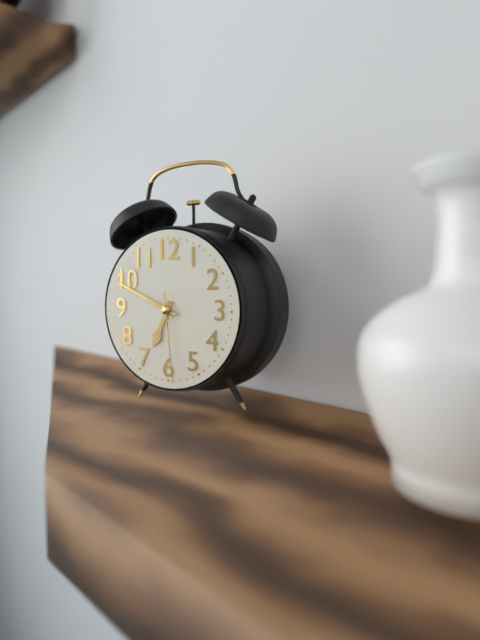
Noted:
6:49:29
